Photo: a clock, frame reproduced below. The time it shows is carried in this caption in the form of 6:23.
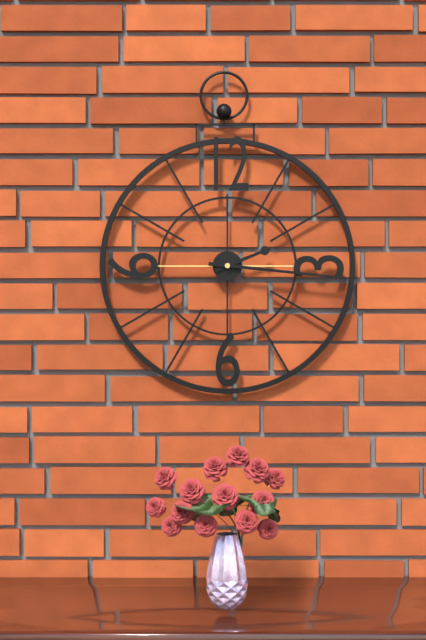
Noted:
2:16
